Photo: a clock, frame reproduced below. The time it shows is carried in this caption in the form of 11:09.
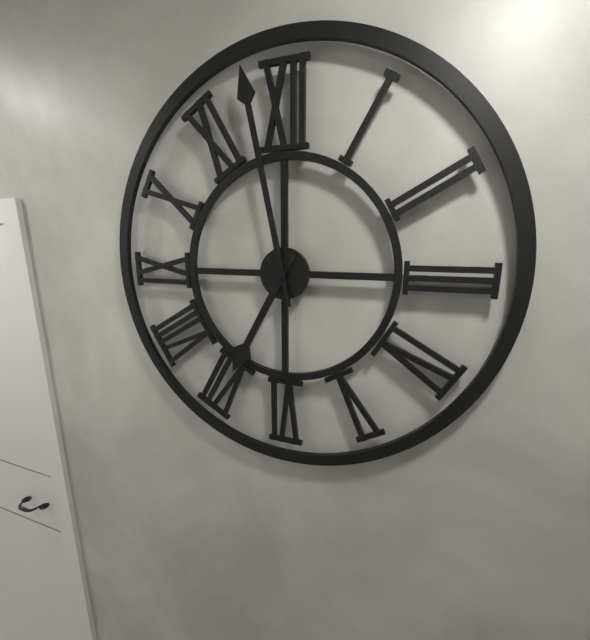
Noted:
6:58
